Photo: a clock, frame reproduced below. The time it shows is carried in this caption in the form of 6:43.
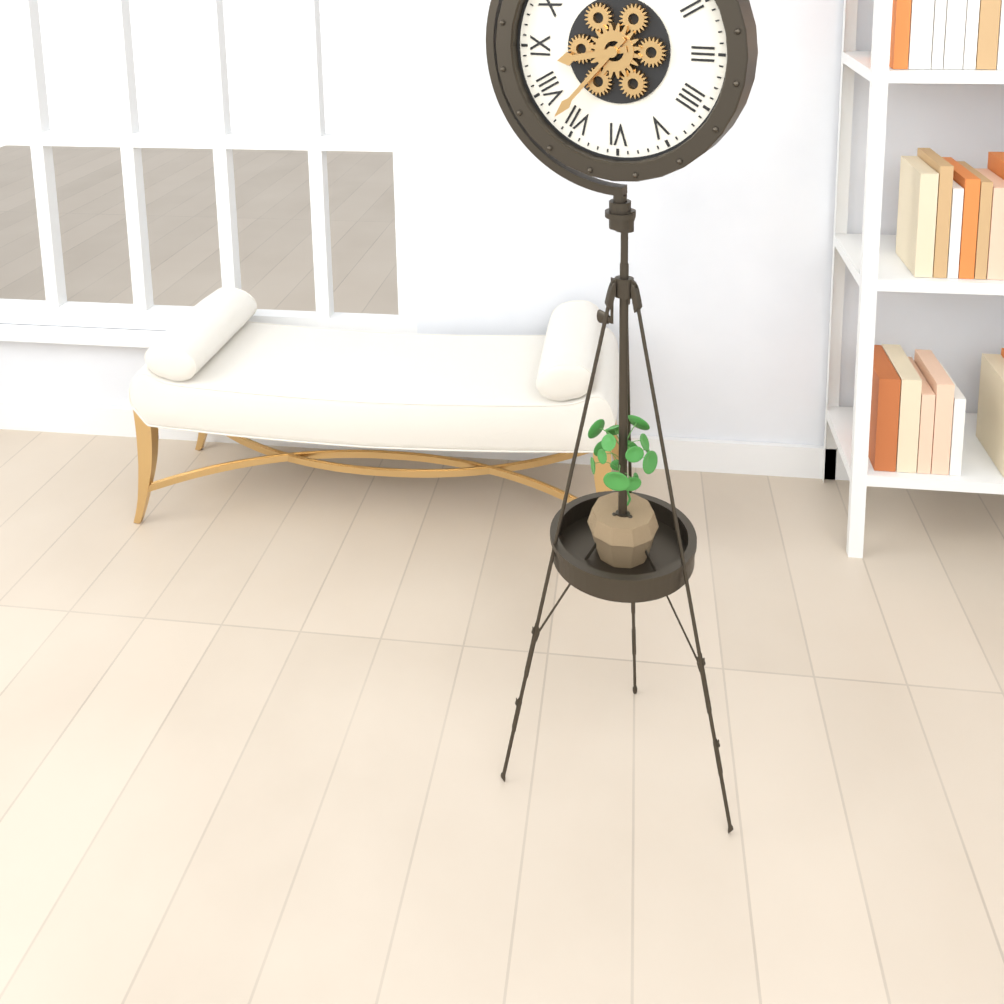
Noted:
8:37
